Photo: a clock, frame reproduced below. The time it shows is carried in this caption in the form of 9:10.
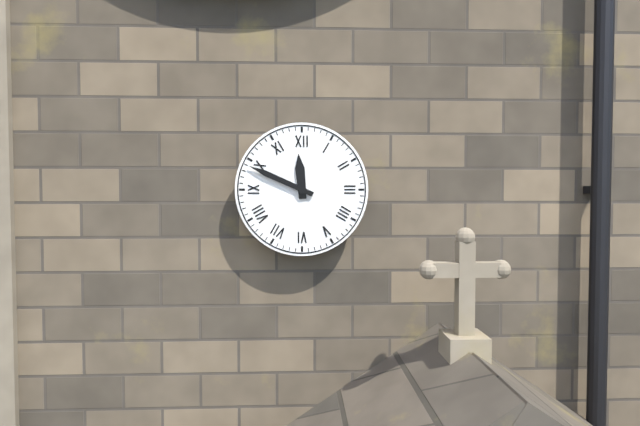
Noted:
11:49
